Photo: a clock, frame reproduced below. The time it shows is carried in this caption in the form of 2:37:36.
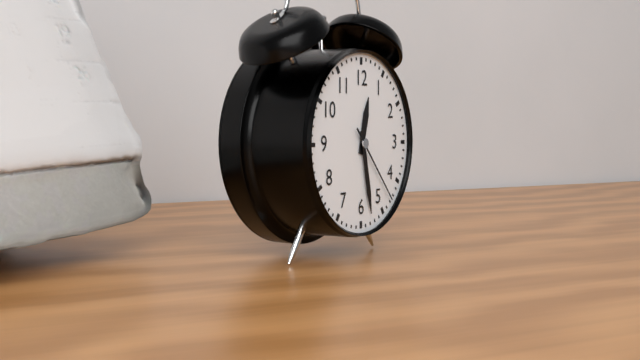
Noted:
12:28:23
